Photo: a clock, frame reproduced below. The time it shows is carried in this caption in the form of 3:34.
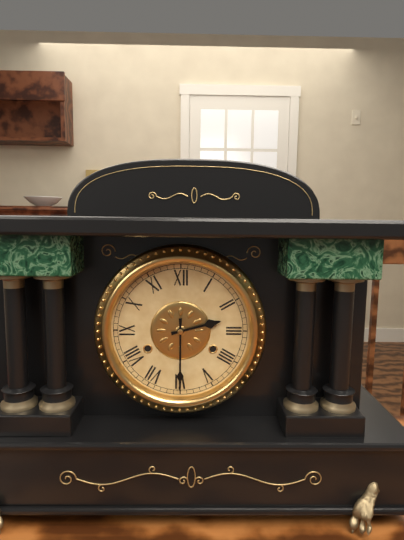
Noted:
2:30
